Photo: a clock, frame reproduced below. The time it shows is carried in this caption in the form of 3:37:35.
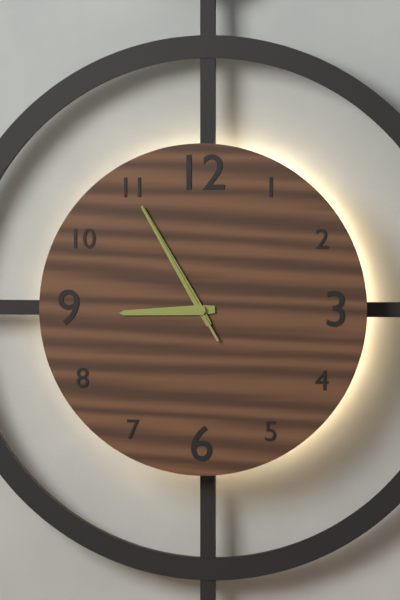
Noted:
8:55:55
